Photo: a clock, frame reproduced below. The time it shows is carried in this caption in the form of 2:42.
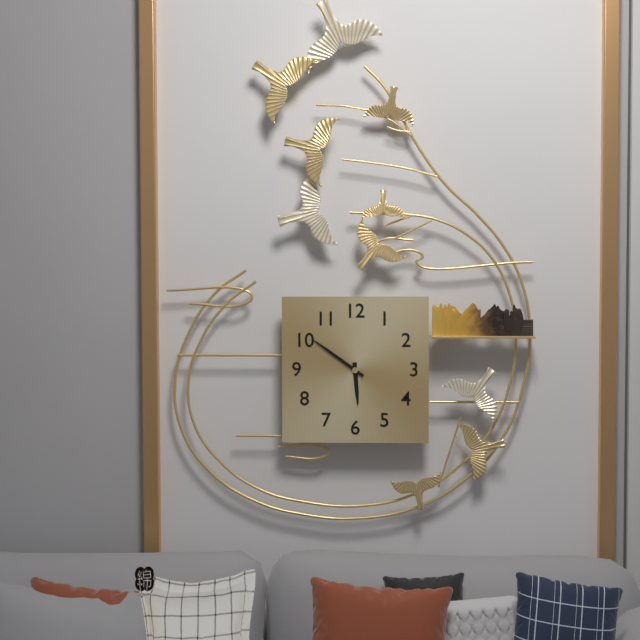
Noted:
5:51
